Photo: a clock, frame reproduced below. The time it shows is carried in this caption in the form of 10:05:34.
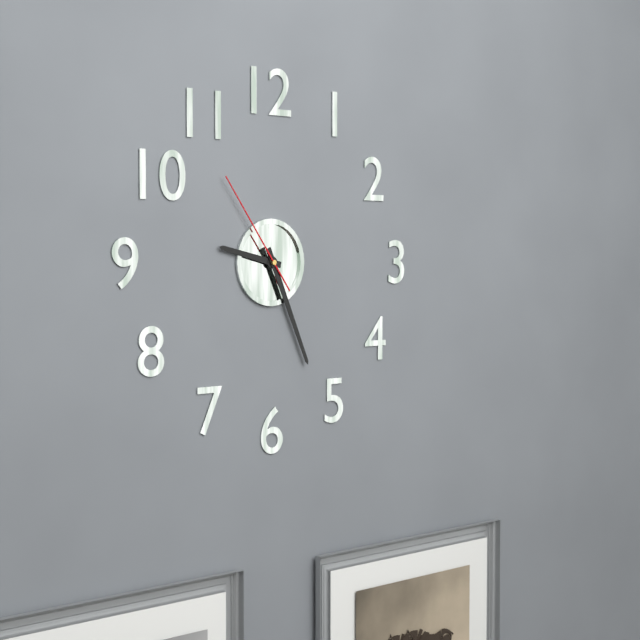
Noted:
9:26:54
